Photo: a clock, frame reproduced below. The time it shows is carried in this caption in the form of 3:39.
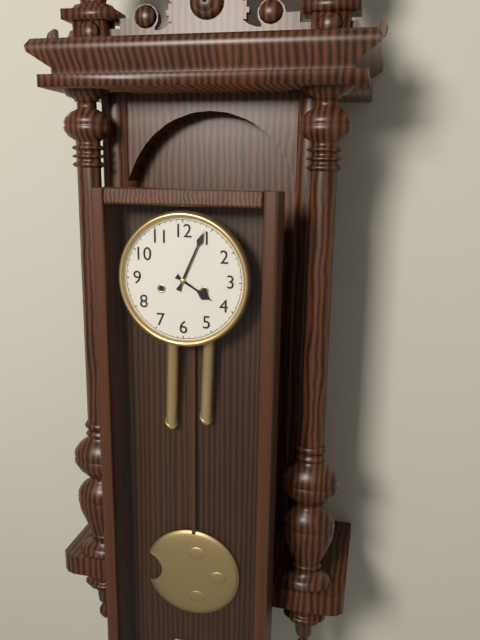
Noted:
4:04
